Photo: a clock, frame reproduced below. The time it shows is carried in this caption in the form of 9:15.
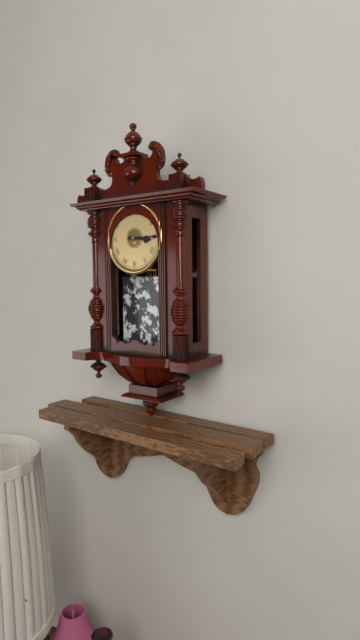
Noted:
3:15
